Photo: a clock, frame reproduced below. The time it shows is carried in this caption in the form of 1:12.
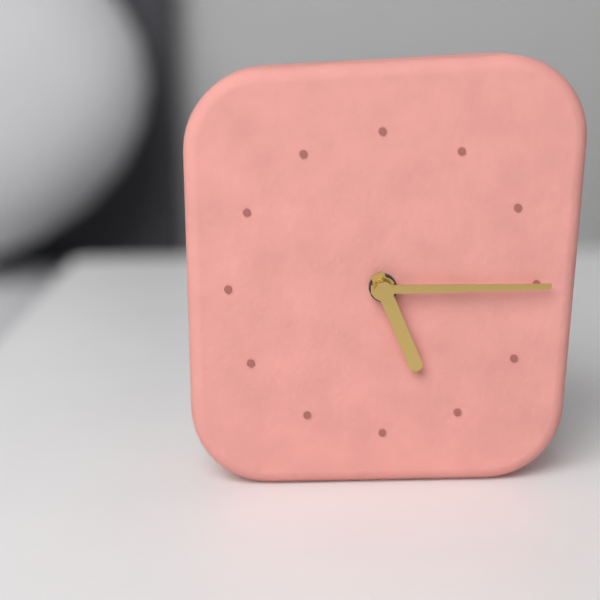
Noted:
5:15
